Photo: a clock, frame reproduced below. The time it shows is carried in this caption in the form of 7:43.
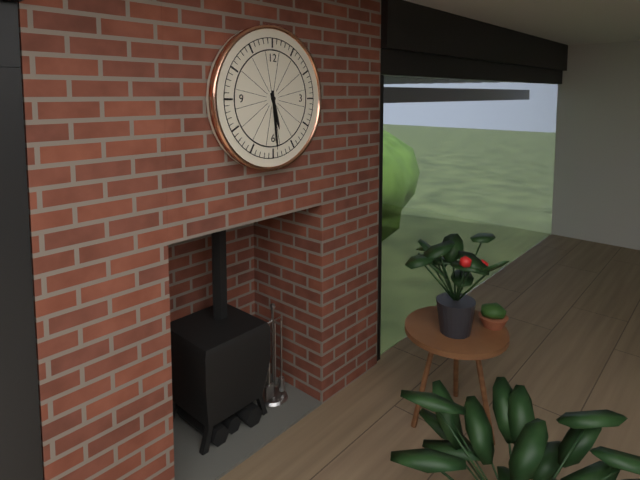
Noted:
5:29
